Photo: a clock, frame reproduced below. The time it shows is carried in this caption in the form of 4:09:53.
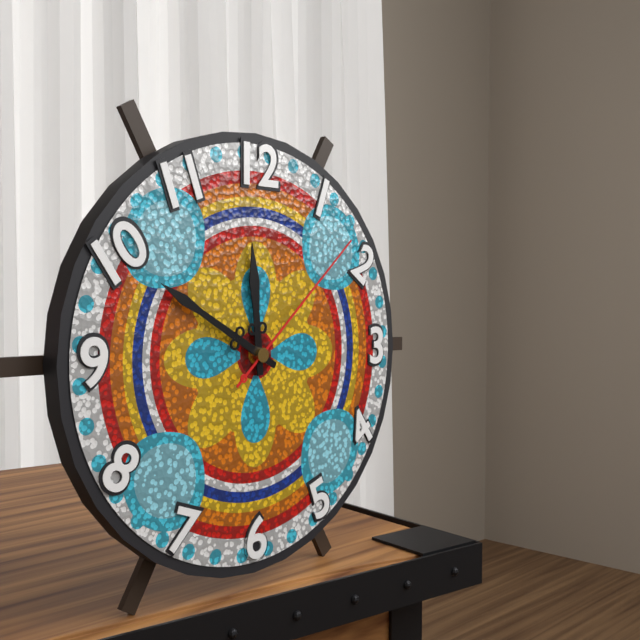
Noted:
11:50:08
